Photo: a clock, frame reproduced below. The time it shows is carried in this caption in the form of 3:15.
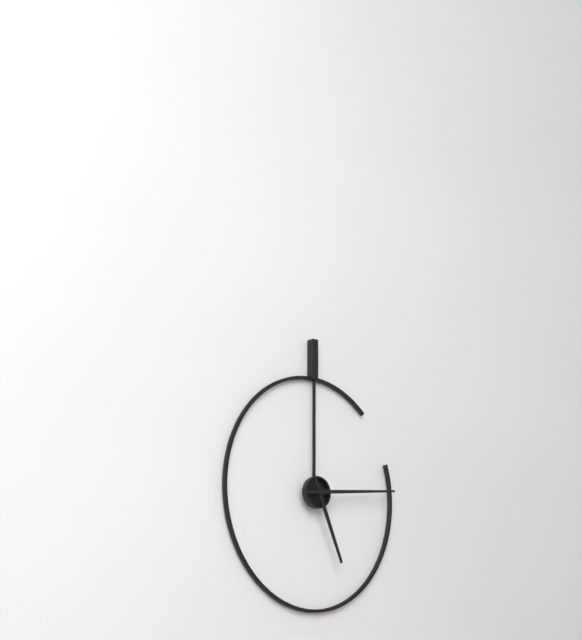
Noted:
5:14
